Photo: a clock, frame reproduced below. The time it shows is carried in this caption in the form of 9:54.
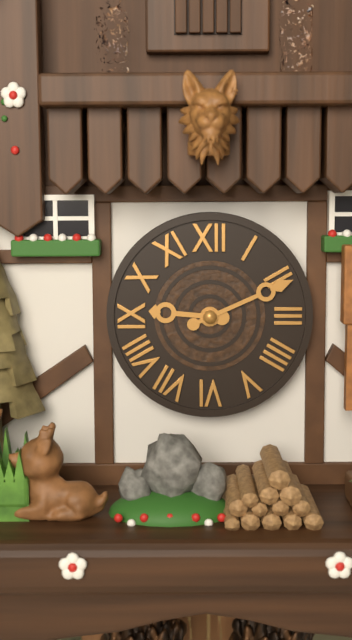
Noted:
9:11
